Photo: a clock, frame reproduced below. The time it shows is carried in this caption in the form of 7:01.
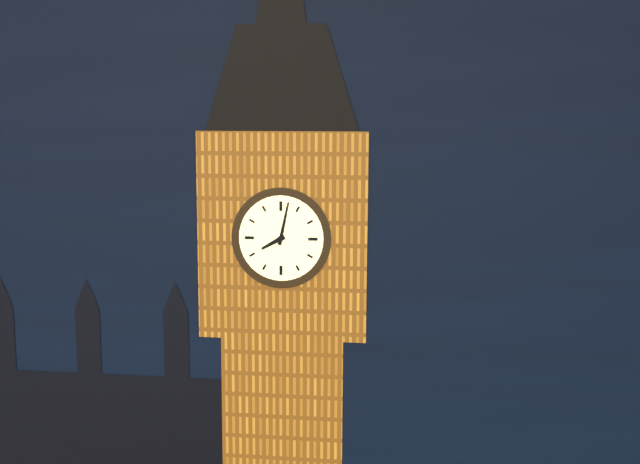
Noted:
8:02
